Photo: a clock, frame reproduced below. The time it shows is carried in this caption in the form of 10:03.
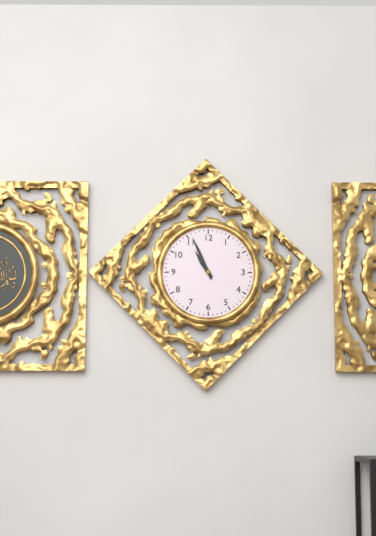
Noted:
10:56
